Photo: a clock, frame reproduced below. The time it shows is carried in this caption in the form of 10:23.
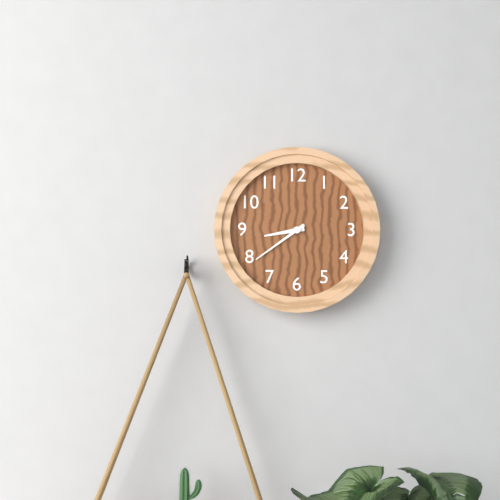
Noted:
8:39
